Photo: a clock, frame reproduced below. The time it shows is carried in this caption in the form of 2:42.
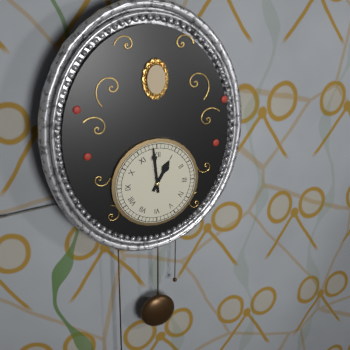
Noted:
12:59
